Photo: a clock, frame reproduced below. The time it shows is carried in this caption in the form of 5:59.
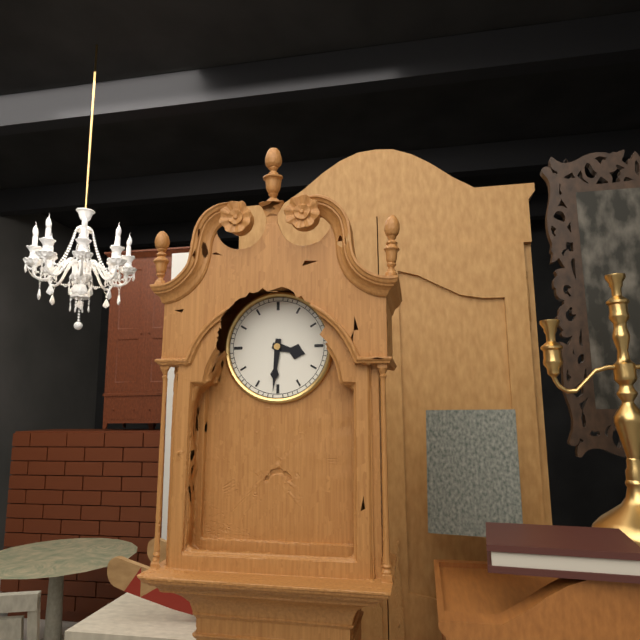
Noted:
3:31
